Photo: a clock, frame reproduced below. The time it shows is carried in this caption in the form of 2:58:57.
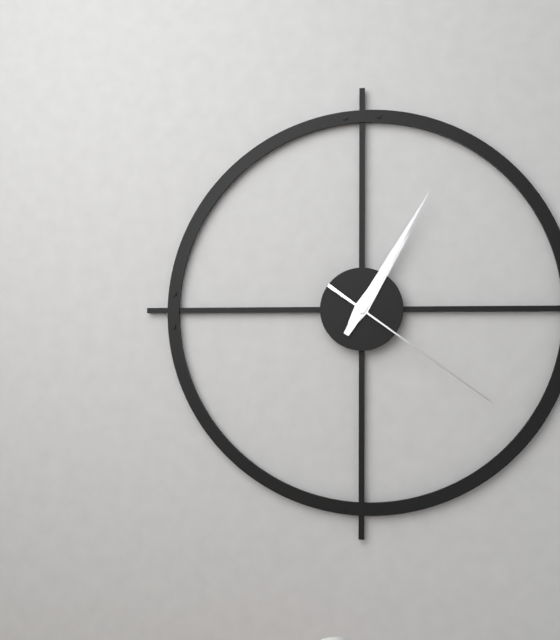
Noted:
1:05:21
